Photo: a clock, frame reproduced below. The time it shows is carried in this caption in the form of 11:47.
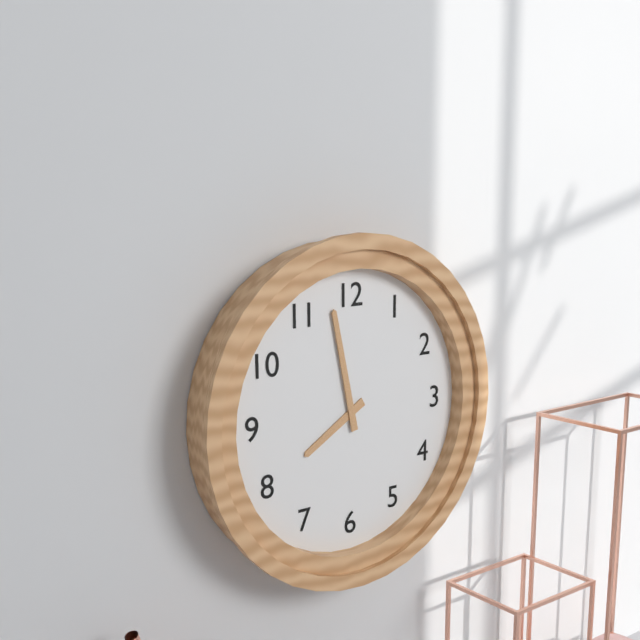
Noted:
7:58
